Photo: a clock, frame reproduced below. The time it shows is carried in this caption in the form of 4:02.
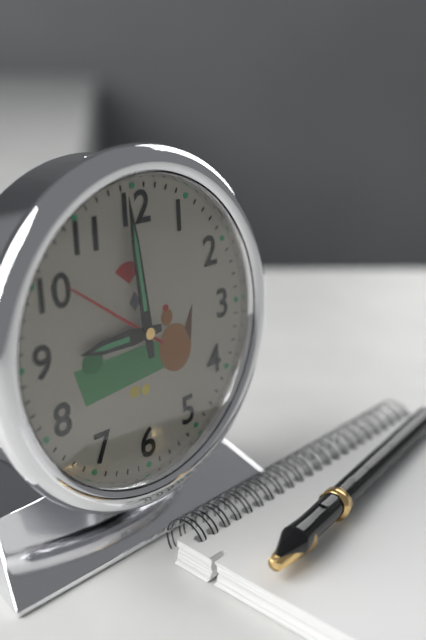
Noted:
8:59
